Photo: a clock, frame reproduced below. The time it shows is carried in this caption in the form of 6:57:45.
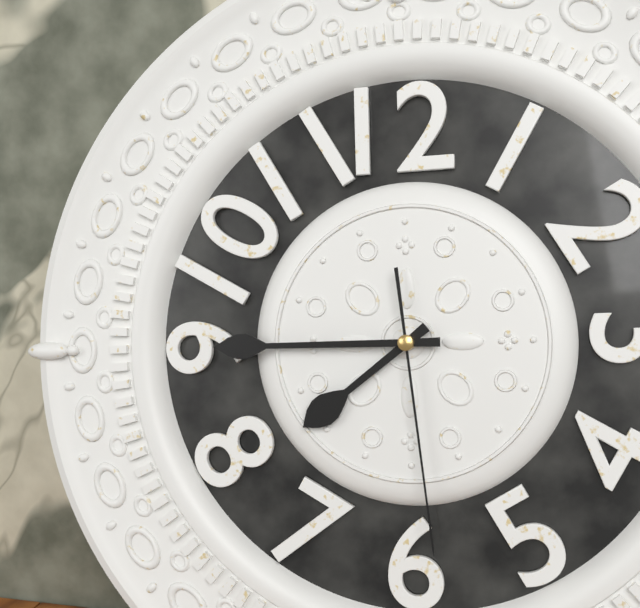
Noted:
7:45:29
